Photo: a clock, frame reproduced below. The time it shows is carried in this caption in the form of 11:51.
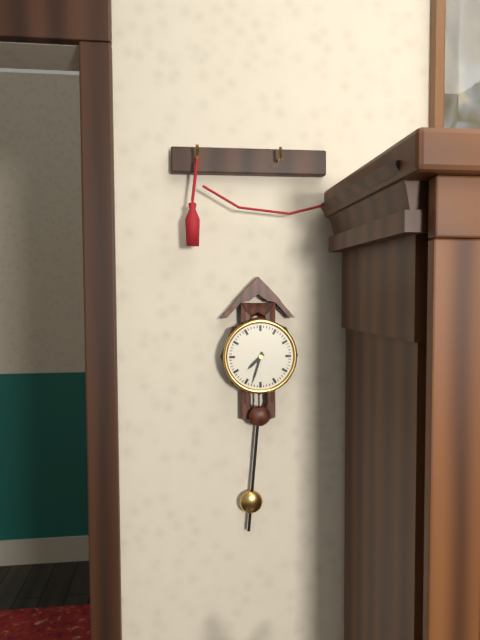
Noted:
7:33
